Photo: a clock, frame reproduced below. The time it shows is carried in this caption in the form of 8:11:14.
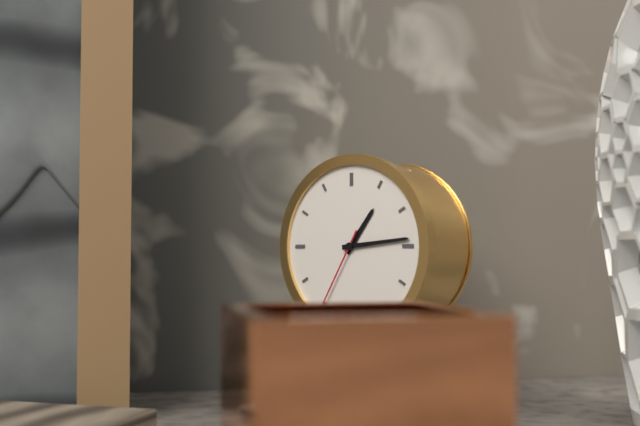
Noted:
1:14:35
